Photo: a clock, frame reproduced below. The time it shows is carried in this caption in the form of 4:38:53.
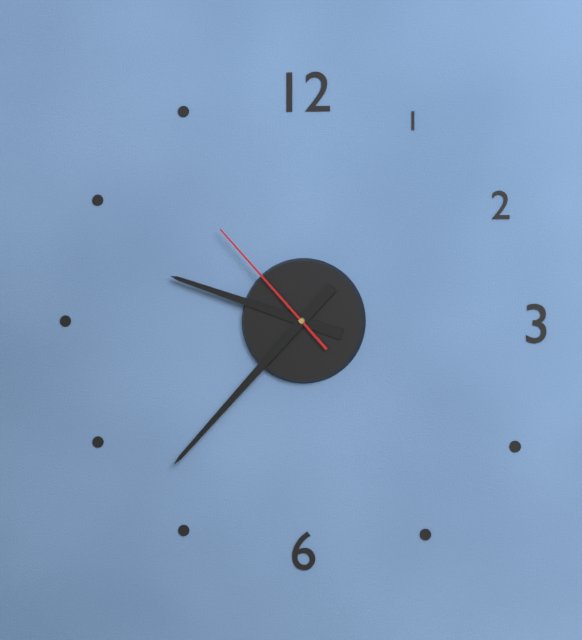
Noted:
9:37:53
